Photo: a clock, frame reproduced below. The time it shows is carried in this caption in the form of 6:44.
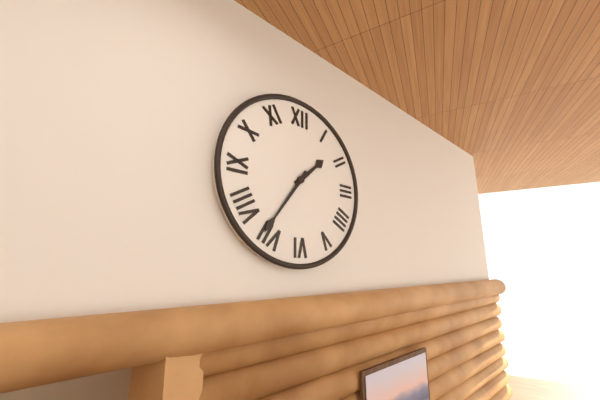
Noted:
1:36
